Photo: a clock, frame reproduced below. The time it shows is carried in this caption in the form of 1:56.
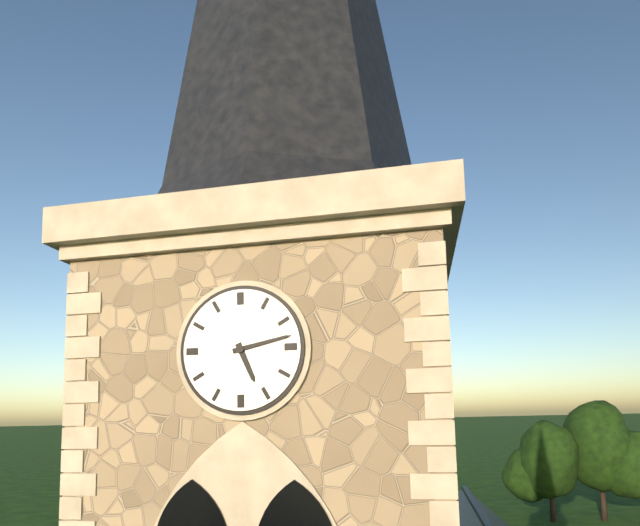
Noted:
5:13
